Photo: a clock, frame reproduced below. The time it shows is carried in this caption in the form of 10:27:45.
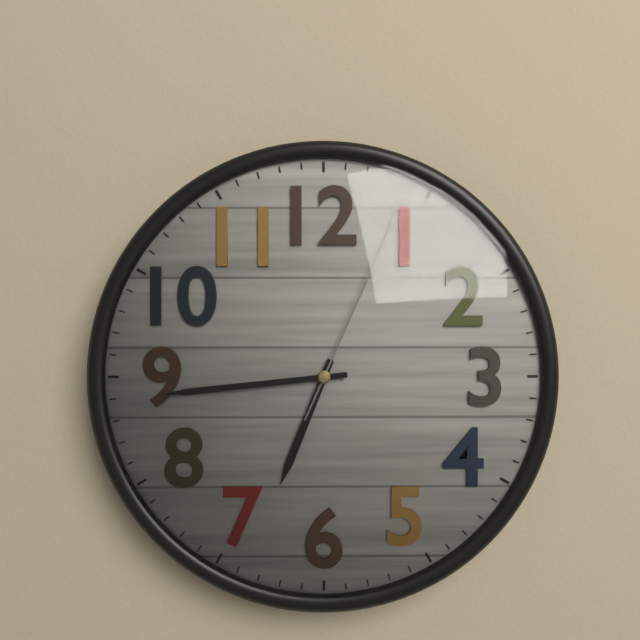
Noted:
6:44:04
